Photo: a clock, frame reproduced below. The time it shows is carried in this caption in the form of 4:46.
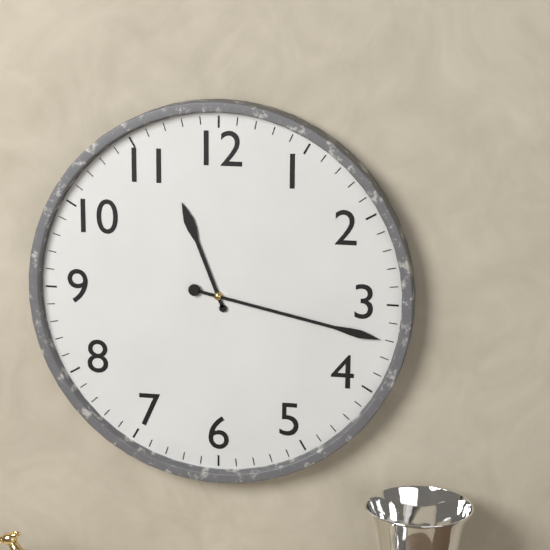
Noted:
11:17
